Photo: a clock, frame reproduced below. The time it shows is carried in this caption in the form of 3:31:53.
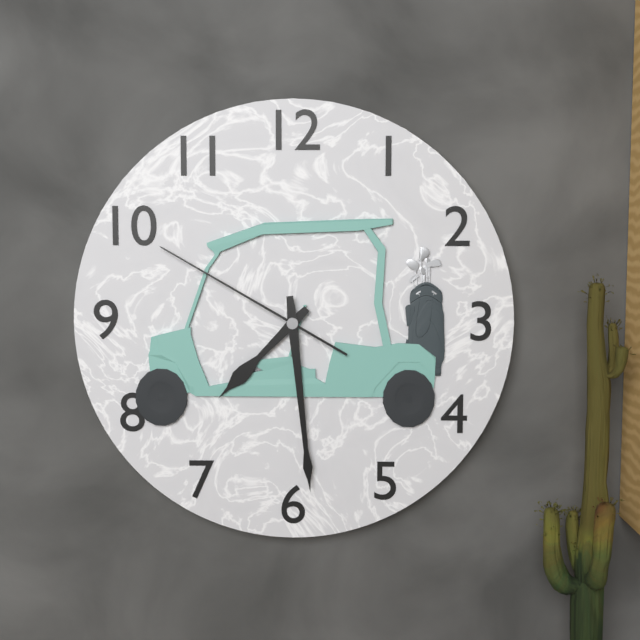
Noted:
7:29:50
